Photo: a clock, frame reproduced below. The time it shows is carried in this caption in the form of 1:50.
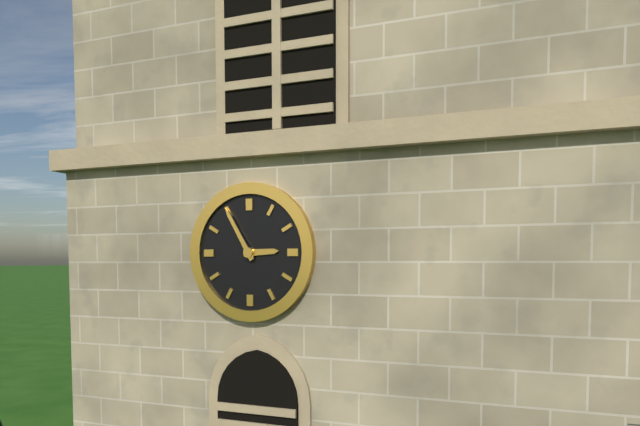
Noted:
2:55
